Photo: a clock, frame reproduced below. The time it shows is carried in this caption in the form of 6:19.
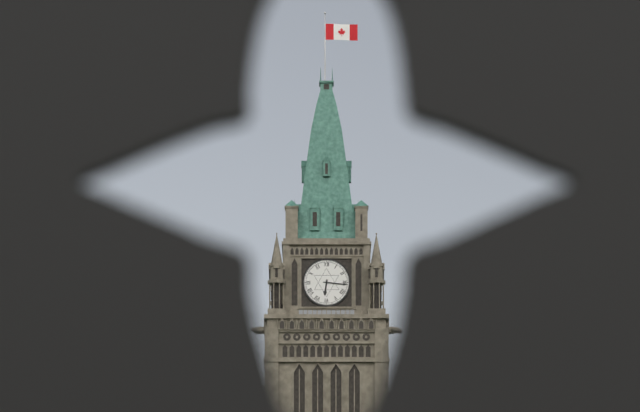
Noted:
6:16
